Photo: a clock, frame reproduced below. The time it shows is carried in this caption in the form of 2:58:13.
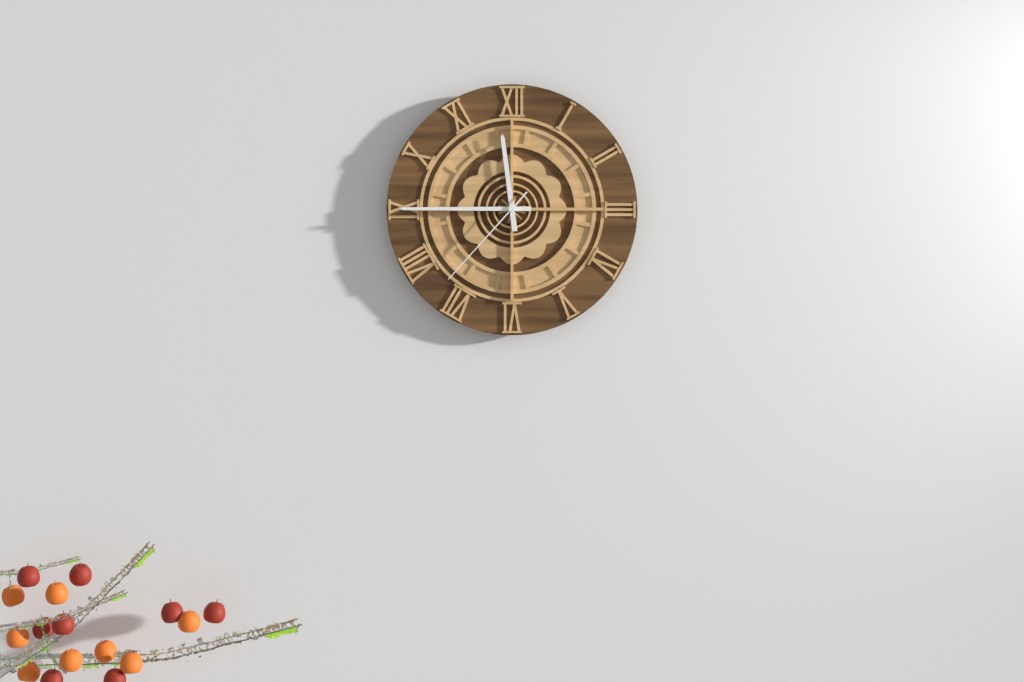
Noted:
11:45:37
